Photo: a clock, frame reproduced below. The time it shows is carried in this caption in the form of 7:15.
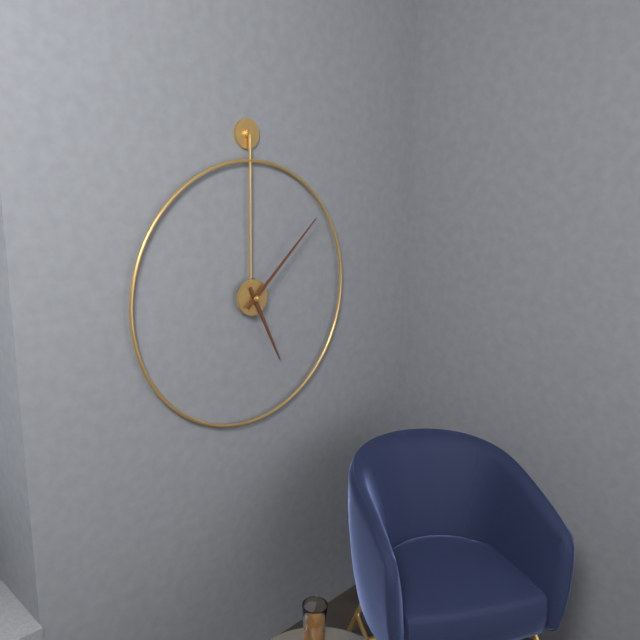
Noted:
5:08
